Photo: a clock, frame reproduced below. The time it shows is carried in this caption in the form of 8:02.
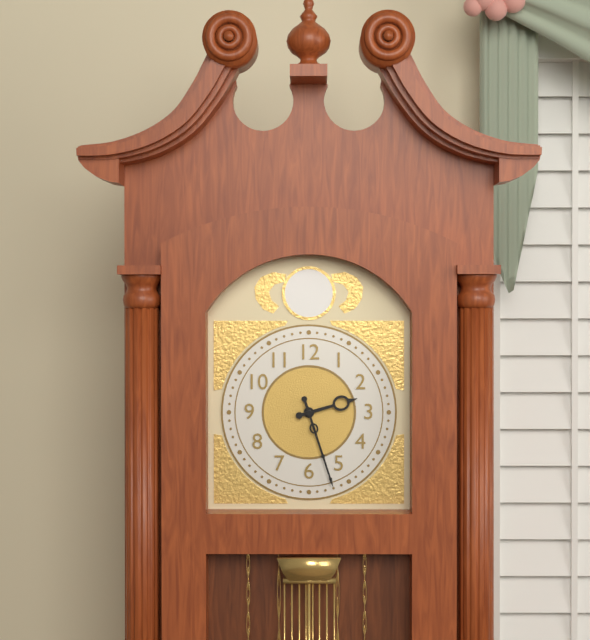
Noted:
2:27
